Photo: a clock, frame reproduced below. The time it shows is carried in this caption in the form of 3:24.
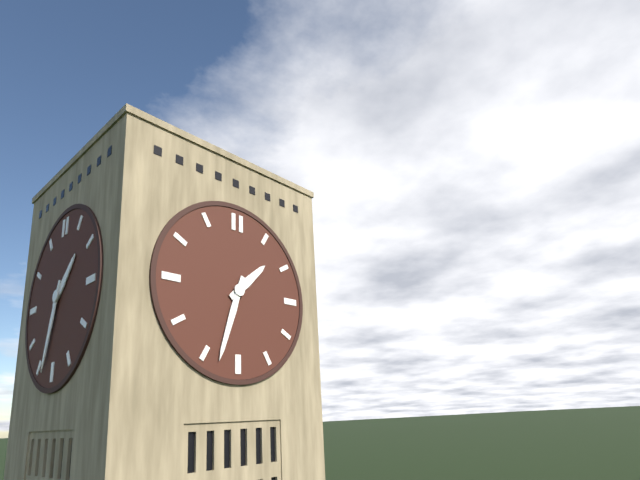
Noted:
1:33
